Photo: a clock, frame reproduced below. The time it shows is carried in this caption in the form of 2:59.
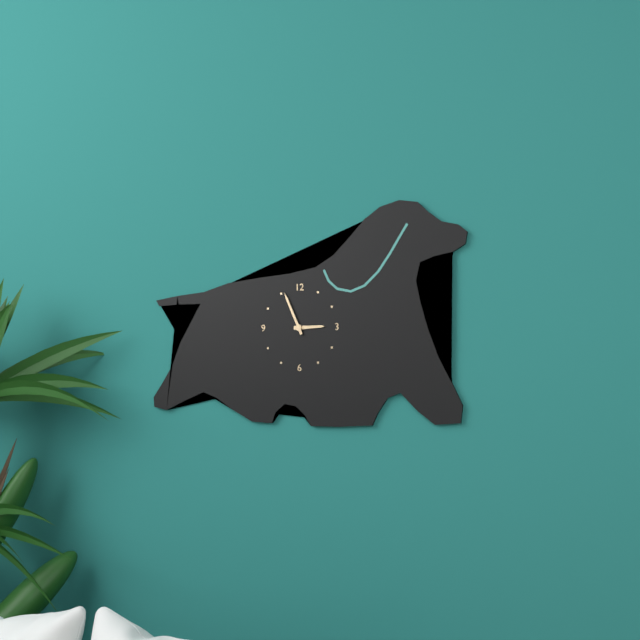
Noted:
2:56
